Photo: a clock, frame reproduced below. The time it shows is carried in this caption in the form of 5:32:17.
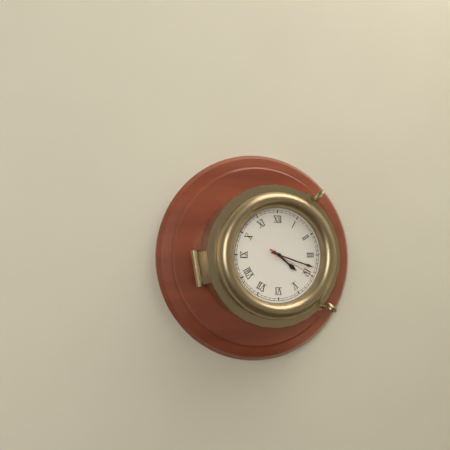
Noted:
4:18:20
